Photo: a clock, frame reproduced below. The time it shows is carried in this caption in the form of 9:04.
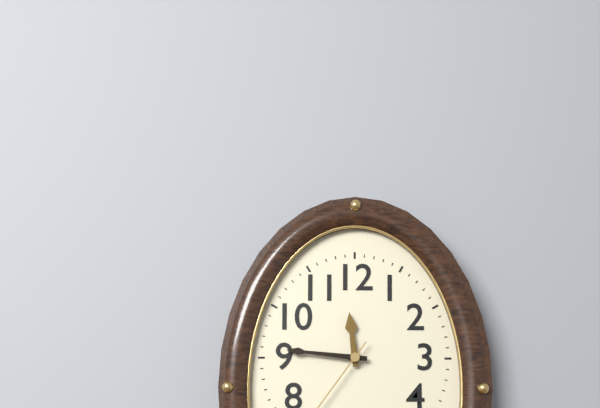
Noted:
11:46
